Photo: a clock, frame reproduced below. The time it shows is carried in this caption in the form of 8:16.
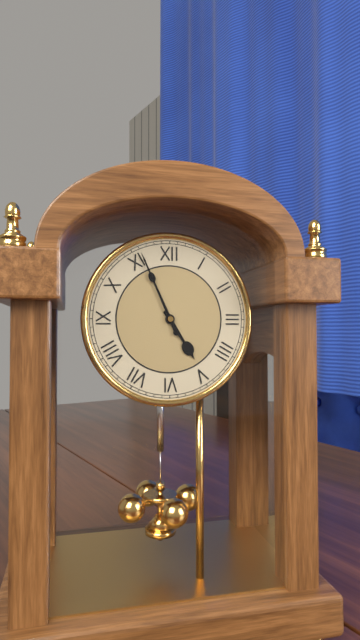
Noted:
4:56
